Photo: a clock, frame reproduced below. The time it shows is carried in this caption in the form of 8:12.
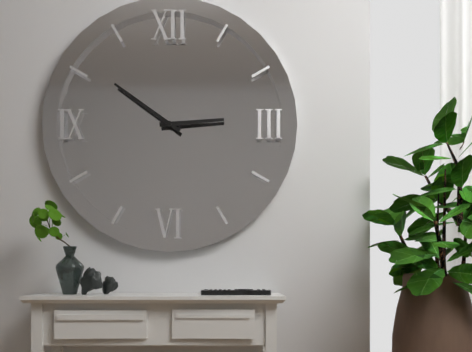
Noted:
2:51
